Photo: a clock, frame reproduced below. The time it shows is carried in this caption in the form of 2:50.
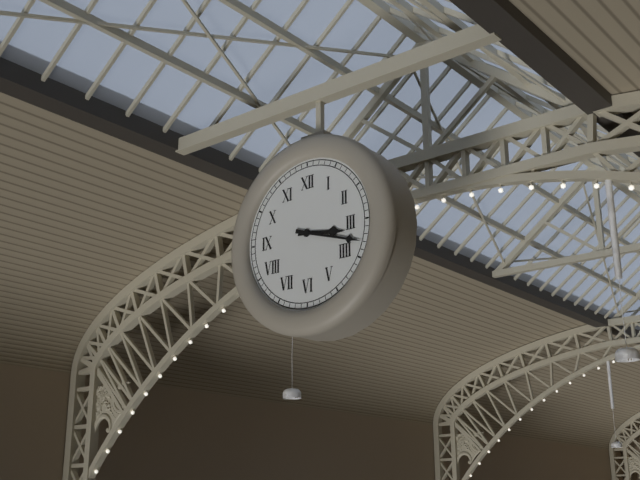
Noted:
3:18
